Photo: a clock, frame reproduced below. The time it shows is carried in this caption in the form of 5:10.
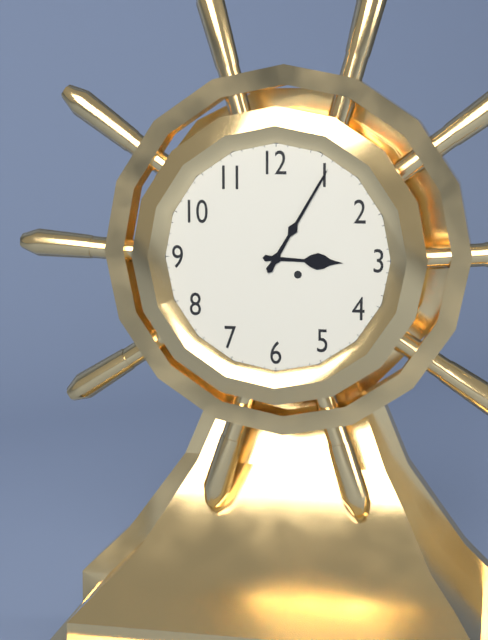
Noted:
3:05
